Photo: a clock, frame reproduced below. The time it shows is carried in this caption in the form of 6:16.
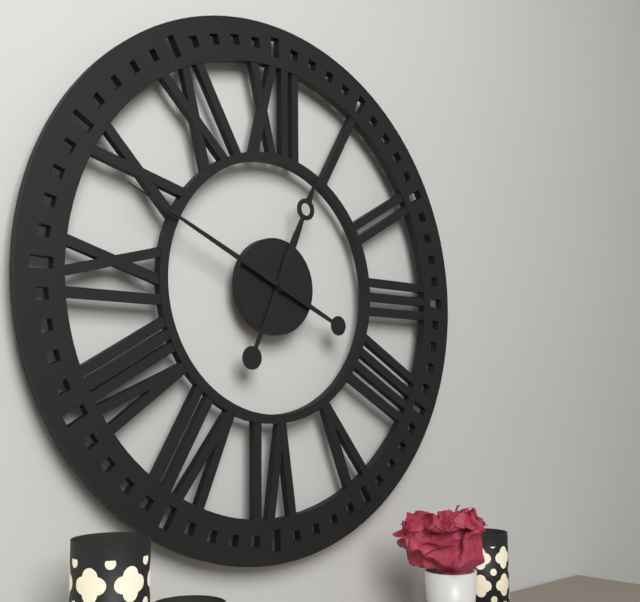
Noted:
12:49
